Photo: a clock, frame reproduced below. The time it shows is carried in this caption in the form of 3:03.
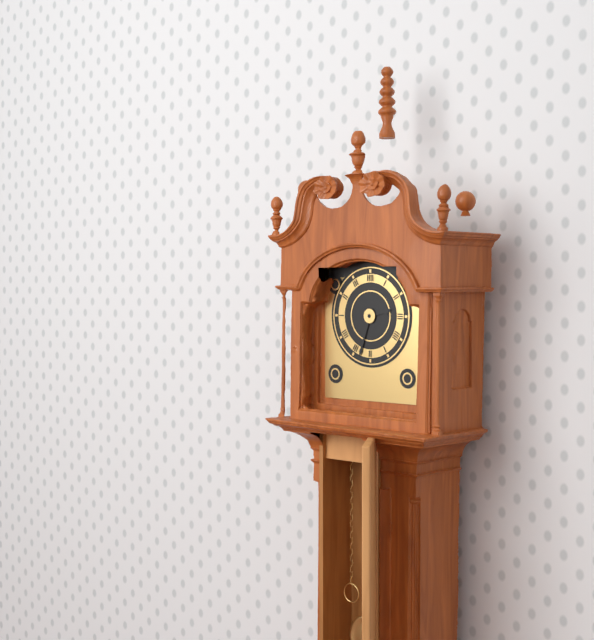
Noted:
2:33
